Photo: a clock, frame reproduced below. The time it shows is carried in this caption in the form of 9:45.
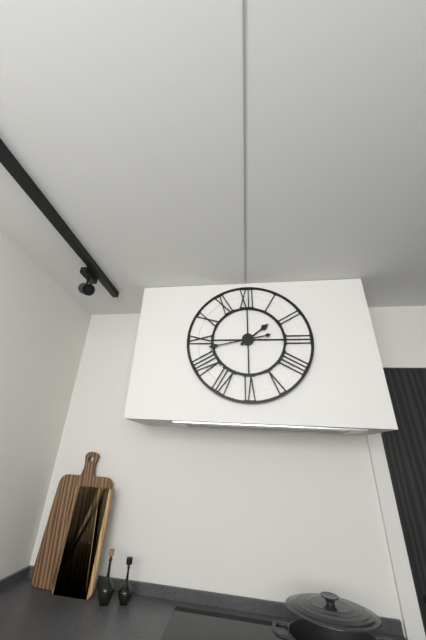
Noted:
1:43
